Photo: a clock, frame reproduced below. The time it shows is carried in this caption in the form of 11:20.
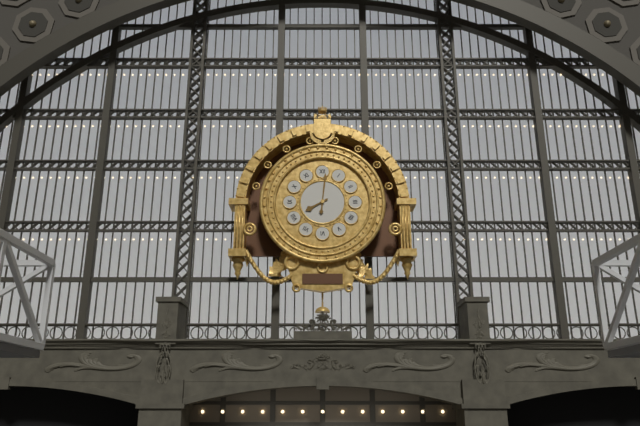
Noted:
8:01
